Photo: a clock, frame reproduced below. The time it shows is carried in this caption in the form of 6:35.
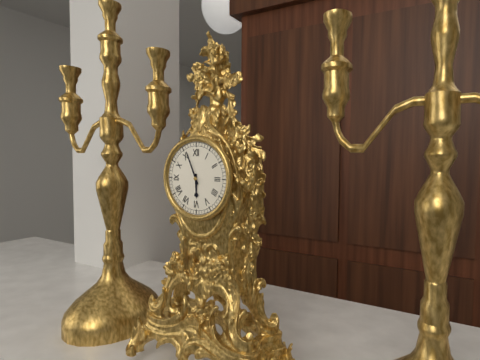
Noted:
5:56
